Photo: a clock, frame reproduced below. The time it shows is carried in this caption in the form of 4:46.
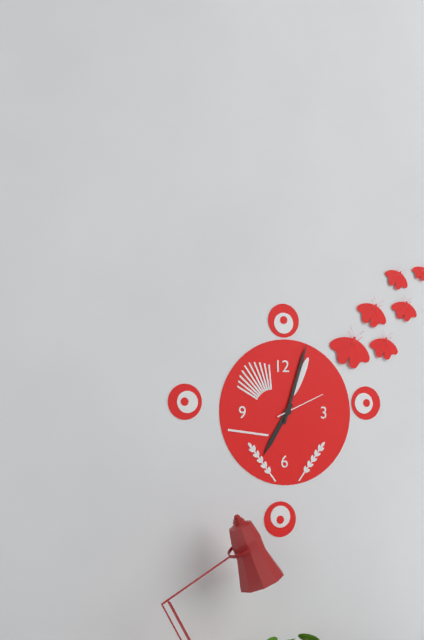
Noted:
7:03
